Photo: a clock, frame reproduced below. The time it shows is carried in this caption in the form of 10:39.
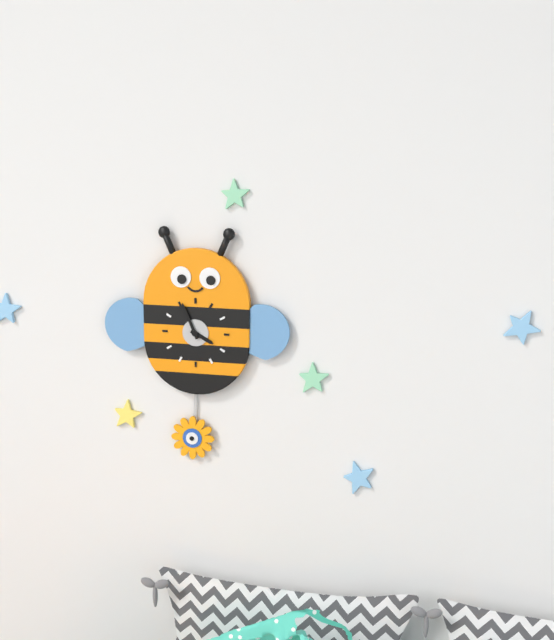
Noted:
3:56
